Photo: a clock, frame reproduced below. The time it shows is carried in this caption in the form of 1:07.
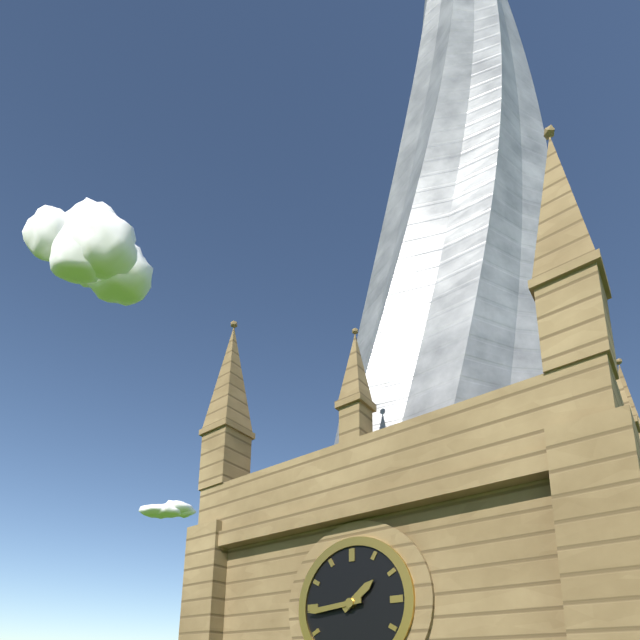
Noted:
1:44
